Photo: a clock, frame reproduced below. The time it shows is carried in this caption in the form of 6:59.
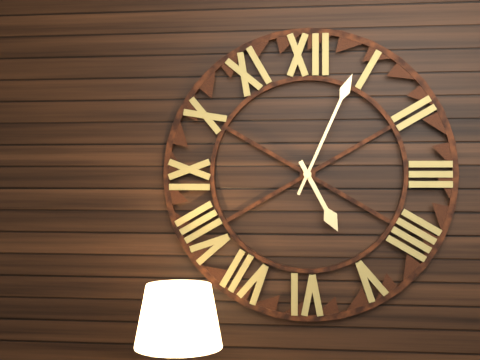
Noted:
5:04
